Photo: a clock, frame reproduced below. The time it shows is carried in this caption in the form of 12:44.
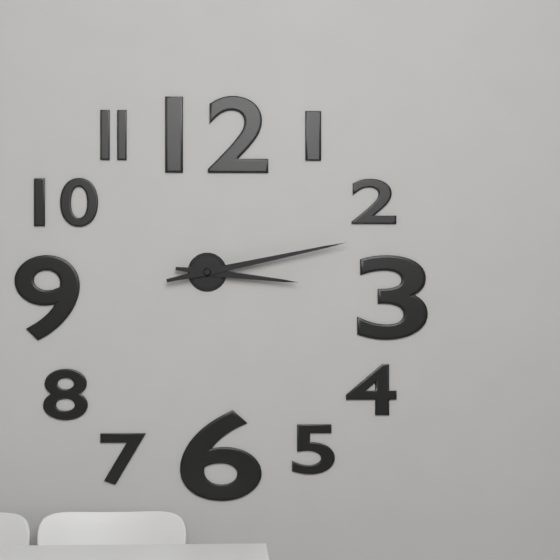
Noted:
3:13
